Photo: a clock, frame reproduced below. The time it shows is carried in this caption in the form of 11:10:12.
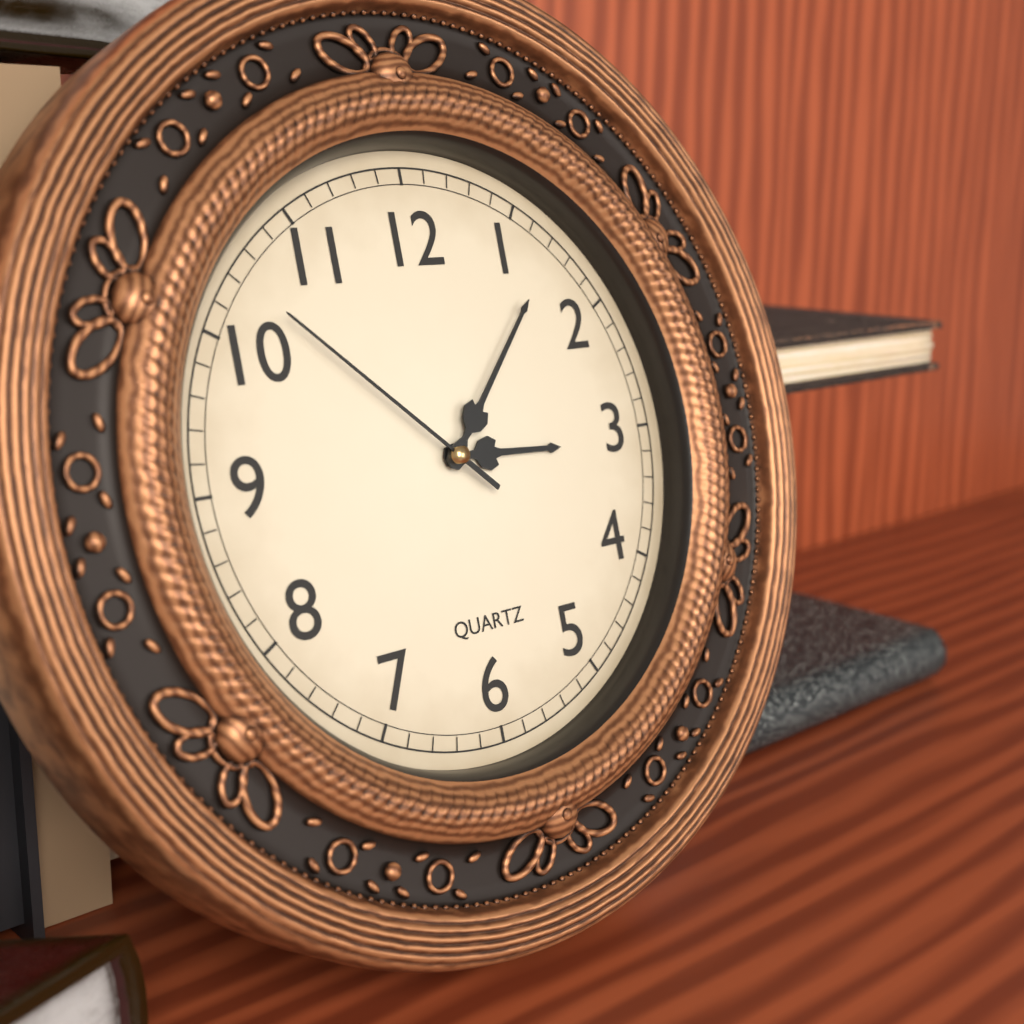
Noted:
3:07:52
